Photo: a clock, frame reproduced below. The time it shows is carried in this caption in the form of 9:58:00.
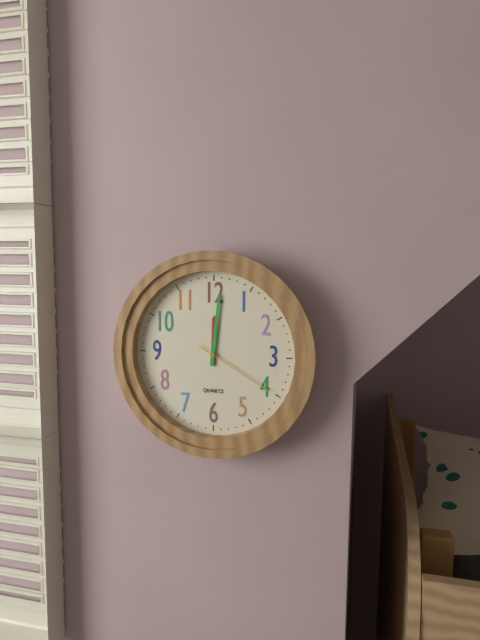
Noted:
12:01:20
